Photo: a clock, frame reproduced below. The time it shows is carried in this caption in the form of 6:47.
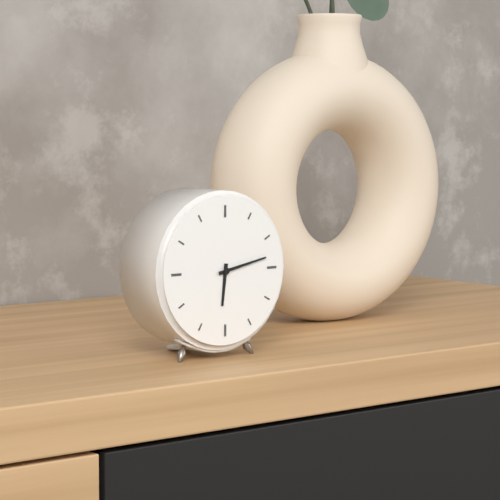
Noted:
6:13
